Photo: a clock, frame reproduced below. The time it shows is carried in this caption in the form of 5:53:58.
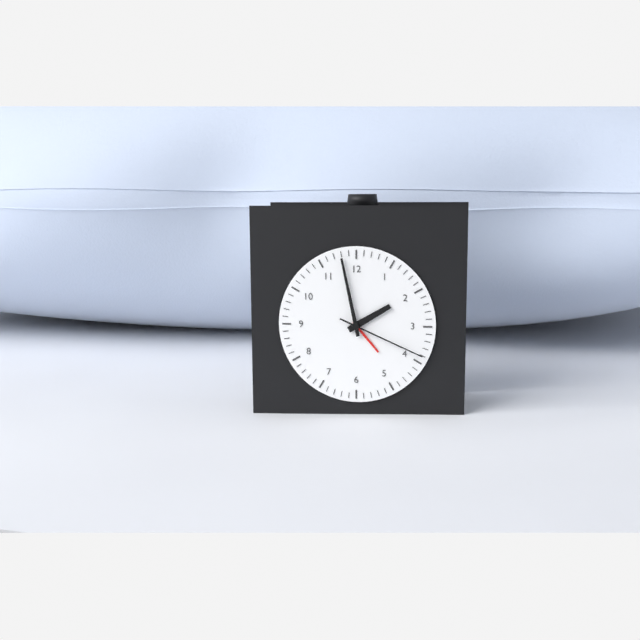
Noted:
1:58:19
